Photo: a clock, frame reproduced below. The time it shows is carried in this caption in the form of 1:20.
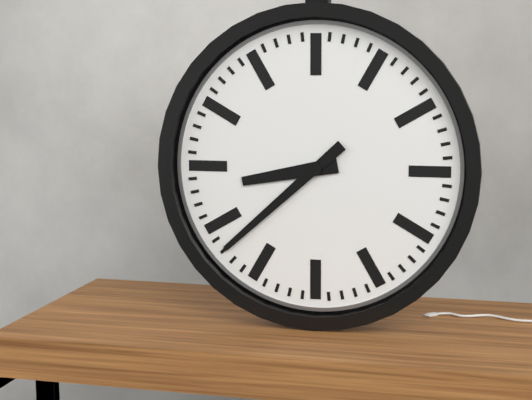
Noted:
8:38
